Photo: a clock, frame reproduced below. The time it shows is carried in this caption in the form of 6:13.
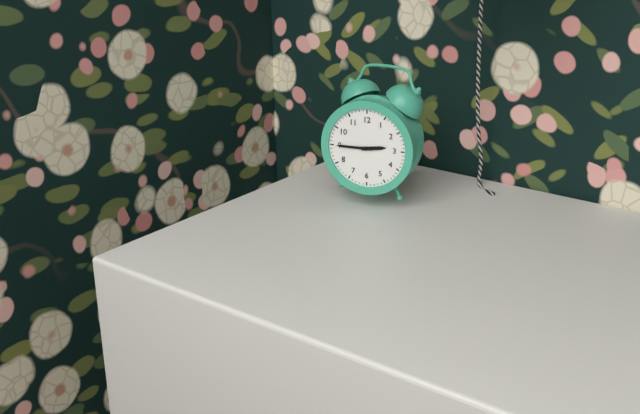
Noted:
2:45
